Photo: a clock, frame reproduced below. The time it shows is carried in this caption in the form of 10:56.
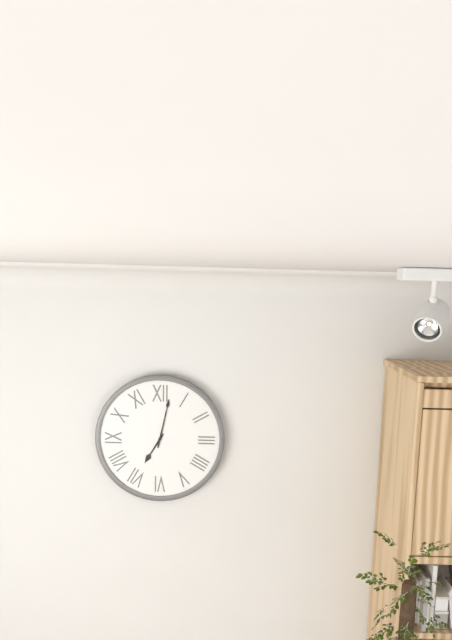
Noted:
7:02
